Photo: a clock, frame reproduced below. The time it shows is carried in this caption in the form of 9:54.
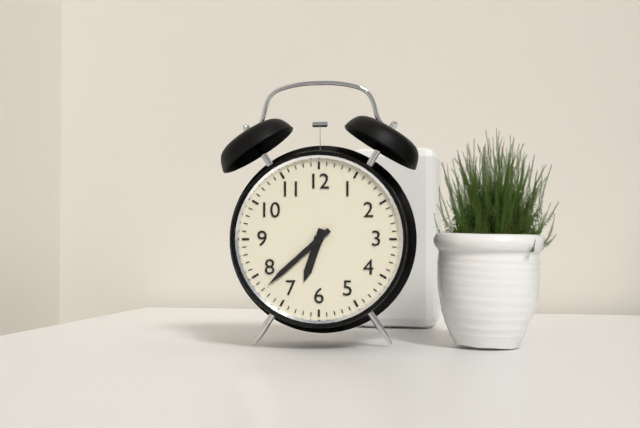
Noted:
6:38
